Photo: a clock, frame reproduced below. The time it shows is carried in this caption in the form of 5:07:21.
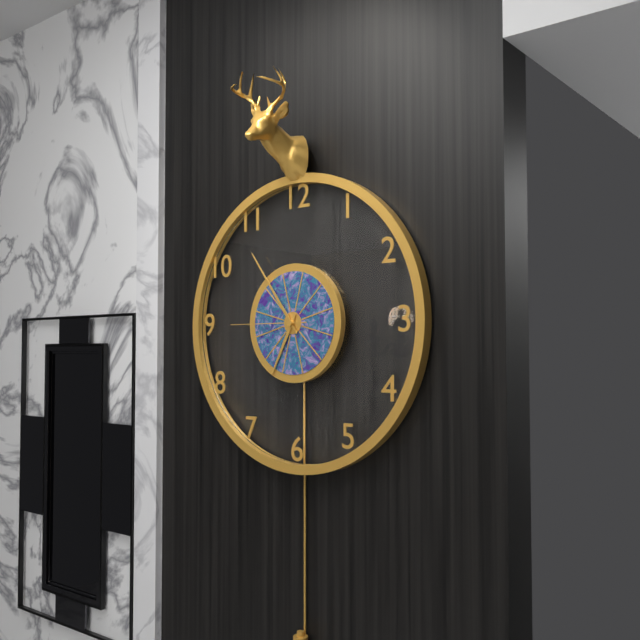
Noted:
6:54:45
